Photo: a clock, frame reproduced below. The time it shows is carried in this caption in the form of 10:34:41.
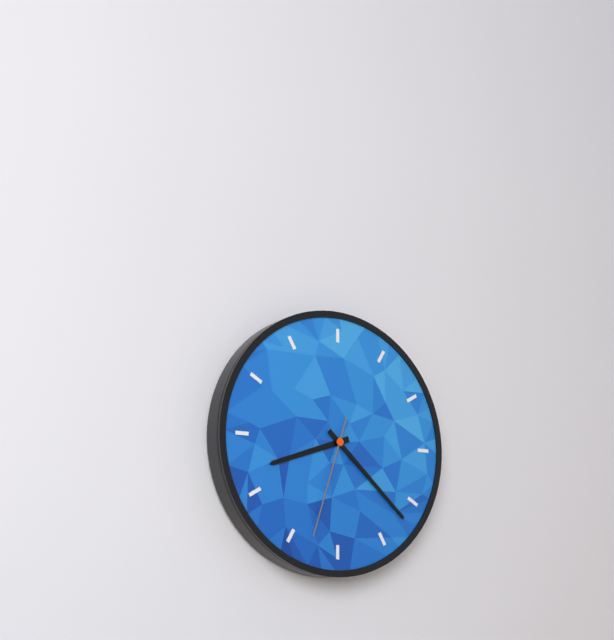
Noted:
8:22:33
